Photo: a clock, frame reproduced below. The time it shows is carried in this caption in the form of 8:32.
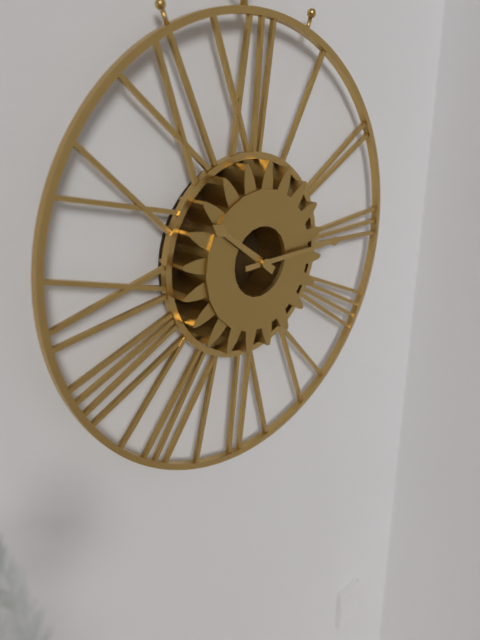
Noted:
10:15
